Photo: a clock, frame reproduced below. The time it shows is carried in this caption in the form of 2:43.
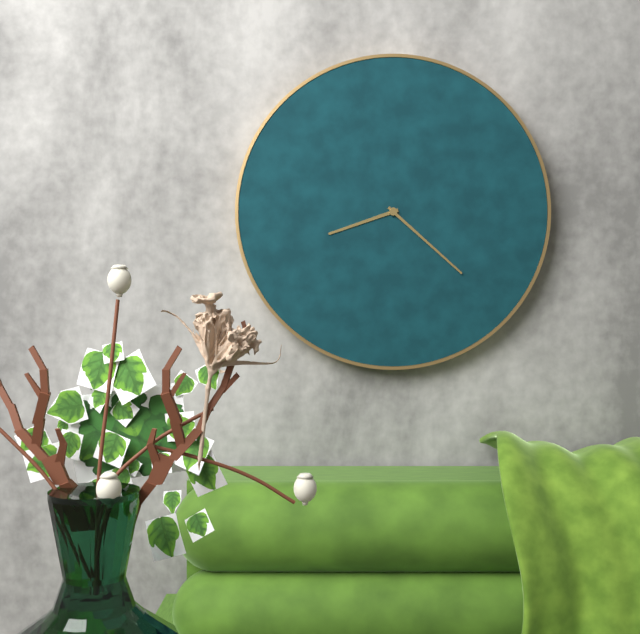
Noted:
8:22
